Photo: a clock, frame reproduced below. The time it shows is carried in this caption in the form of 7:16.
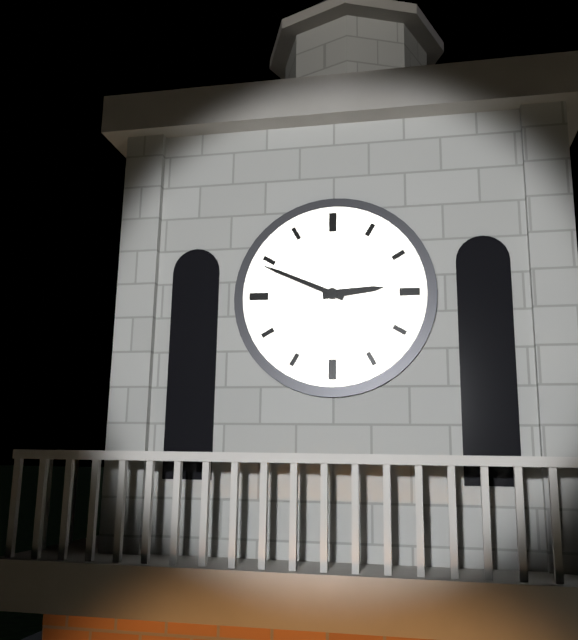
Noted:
2:49
